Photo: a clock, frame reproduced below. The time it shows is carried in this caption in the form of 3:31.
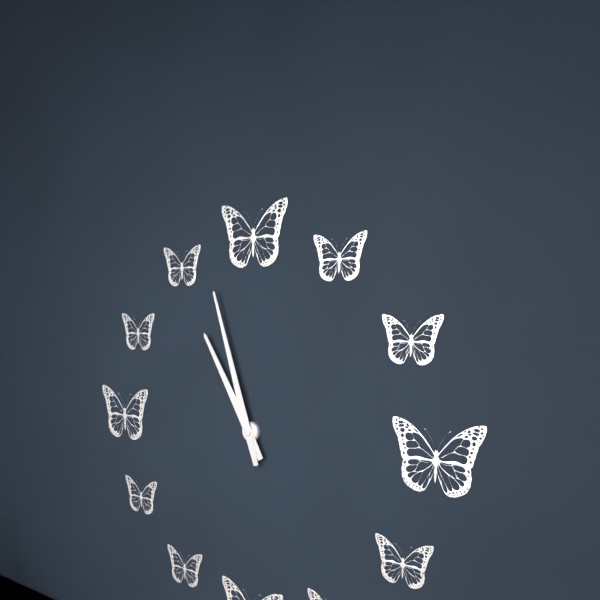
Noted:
10:57
